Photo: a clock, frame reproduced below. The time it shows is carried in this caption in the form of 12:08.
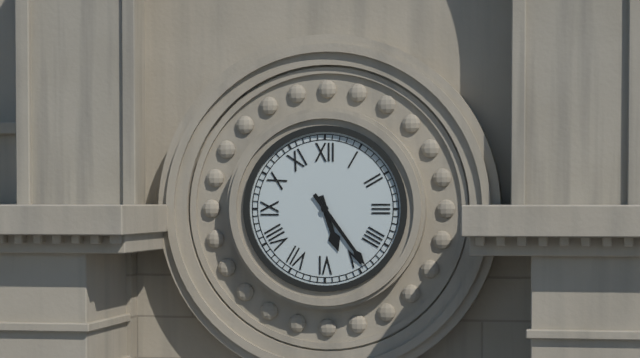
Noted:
5:24
